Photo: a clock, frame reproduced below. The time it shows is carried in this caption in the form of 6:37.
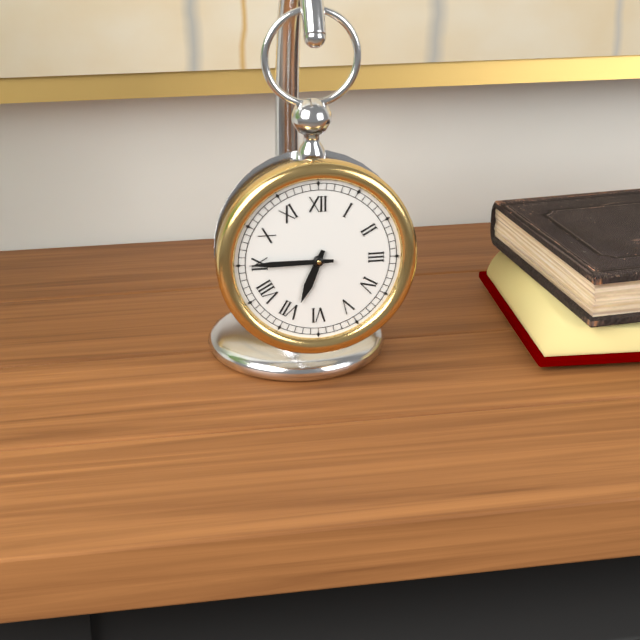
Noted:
6:45
